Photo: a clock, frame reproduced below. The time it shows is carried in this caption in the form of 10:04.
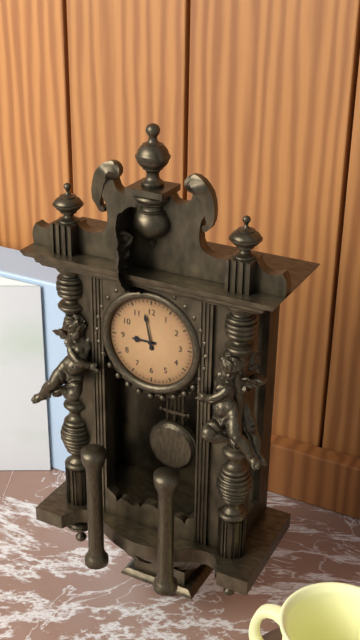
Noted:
8:58
